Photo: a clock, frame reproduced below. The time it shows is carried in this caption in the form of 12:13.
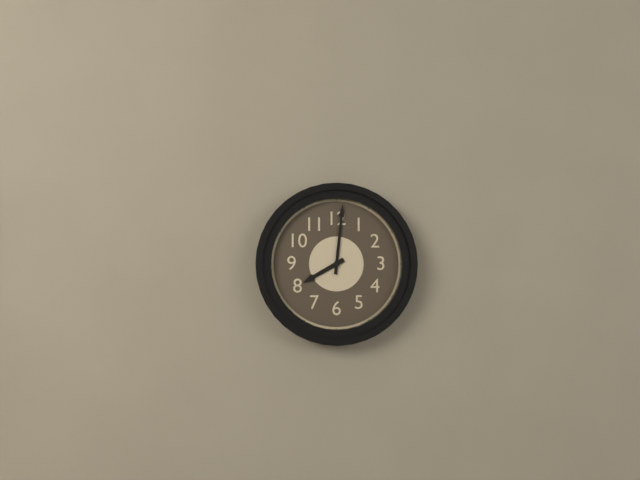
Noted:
8:01
